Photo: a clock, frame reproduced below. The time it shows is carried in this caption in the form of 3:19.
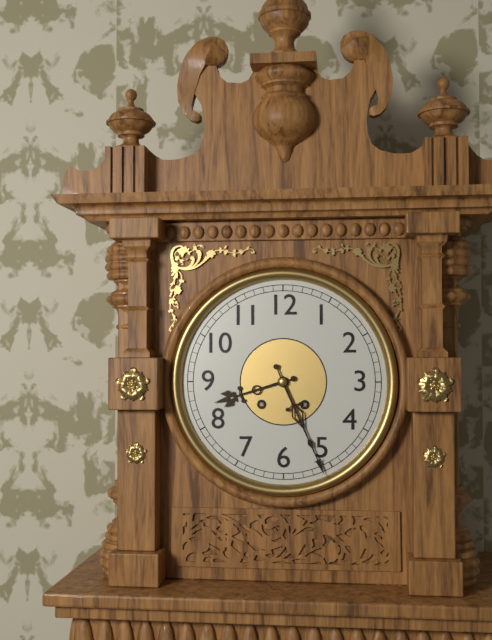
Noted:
8:26
